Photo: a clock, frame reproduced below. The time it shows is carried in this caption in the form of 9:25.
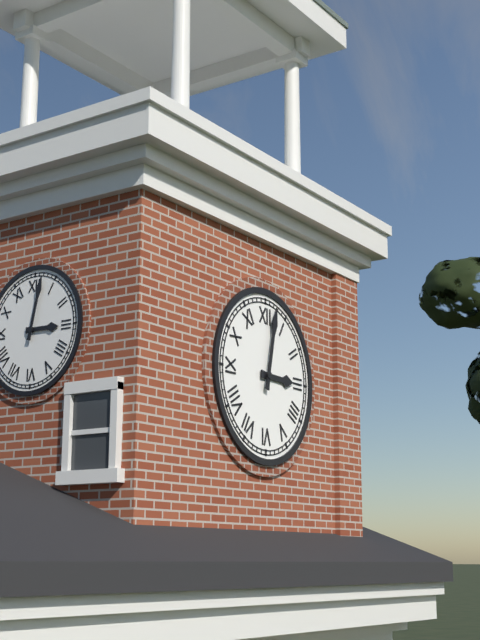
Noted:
3:02
